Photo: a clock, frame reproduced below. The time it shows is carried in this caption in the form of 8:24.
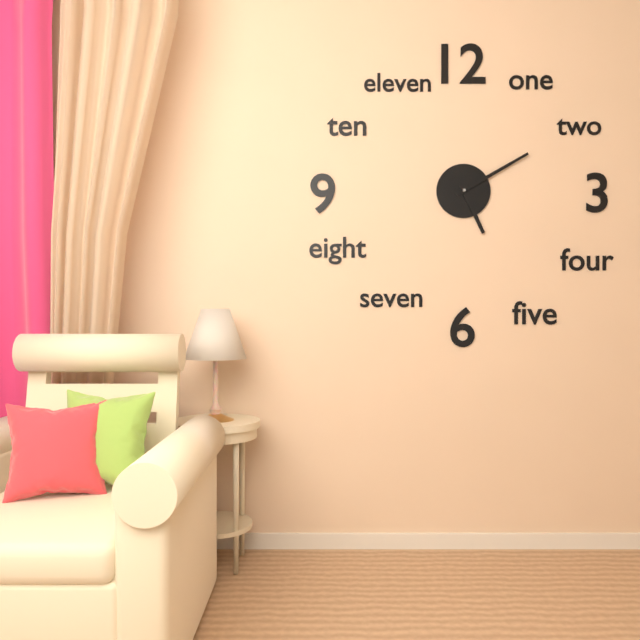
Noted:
5:10
